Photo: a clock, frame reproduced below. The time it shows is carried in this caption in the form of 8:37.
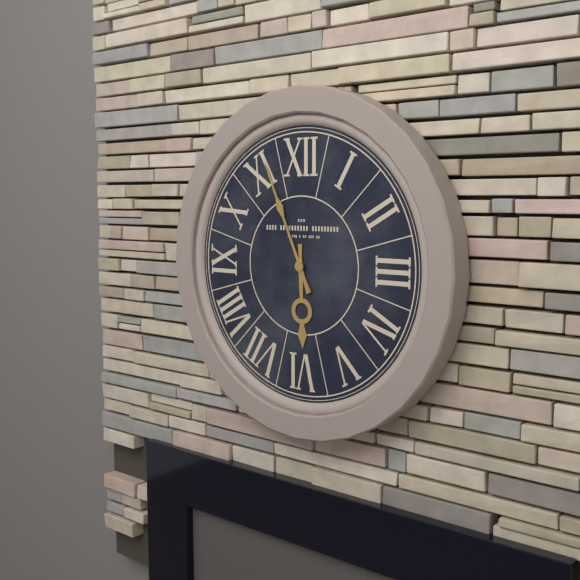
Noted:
5:56
